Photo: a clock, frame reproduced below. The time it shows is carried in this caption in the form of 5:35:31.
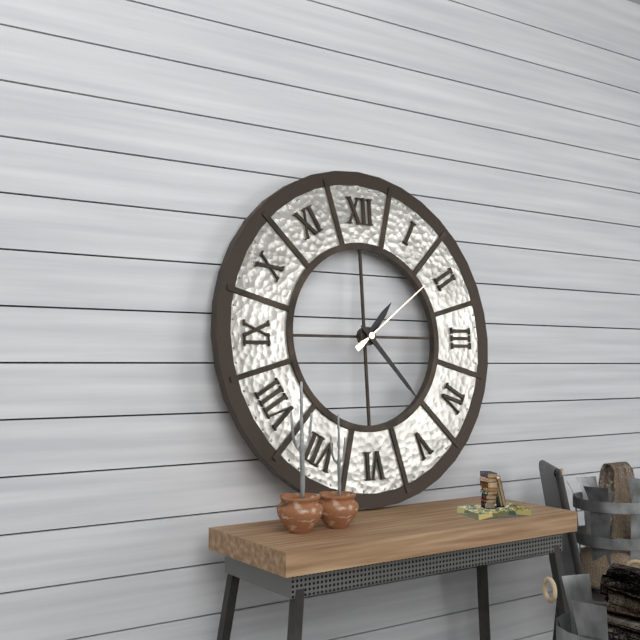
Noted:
1:23:09
